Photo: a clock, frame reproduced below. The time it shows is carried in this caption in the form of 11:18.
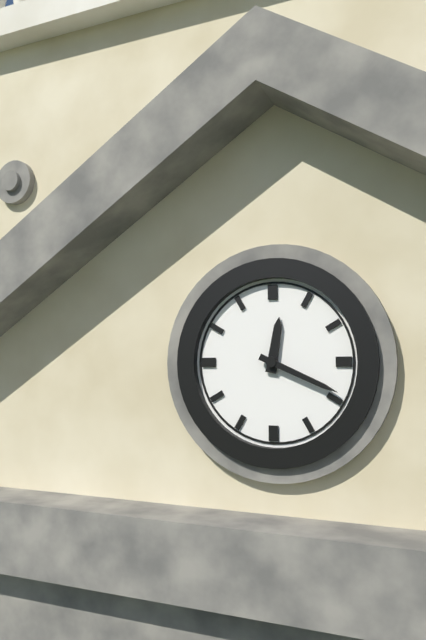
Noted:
12:19
